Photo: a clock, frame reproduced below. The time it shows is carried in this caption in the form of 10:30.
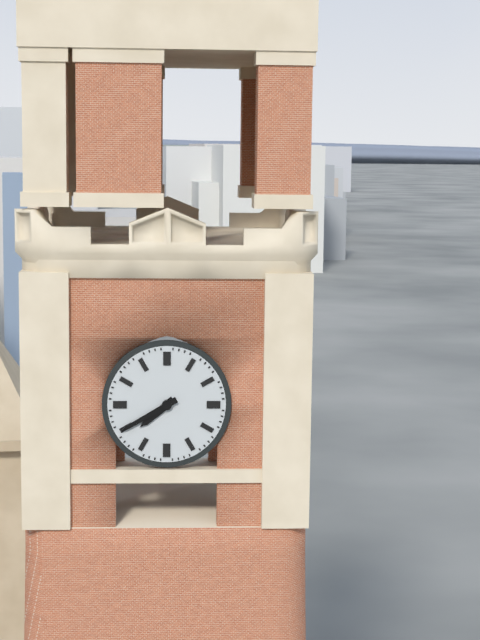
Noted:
7:40
